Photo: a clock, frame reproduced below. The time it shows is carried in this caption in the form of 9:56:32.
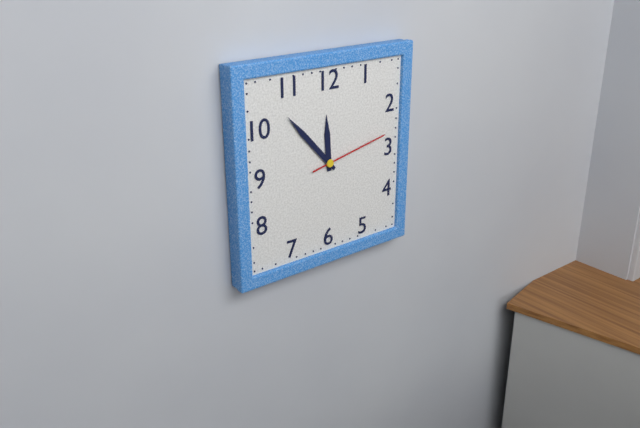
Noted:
11:53:13
